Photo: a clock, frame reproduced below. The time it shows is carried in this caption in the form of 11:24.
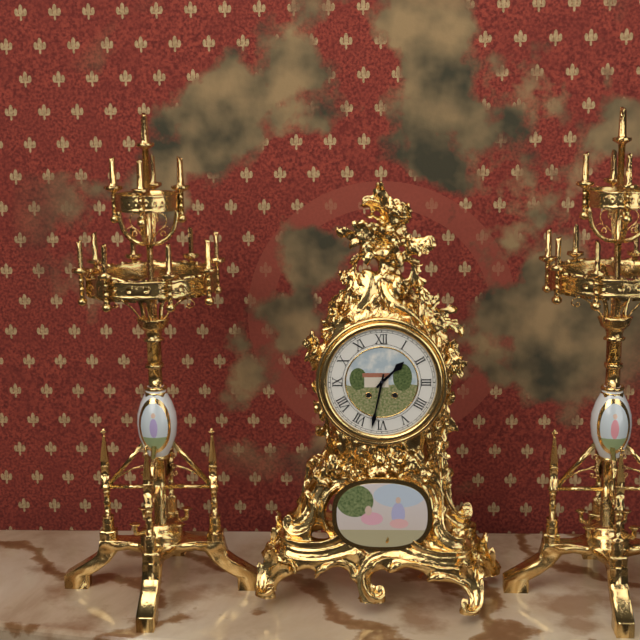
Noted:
1:32
